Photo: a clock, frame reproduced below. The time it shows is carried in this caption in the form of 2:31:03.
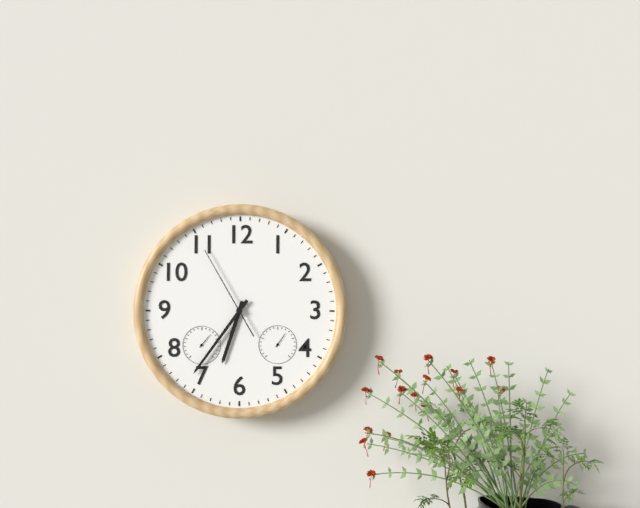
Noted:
6:36:55
